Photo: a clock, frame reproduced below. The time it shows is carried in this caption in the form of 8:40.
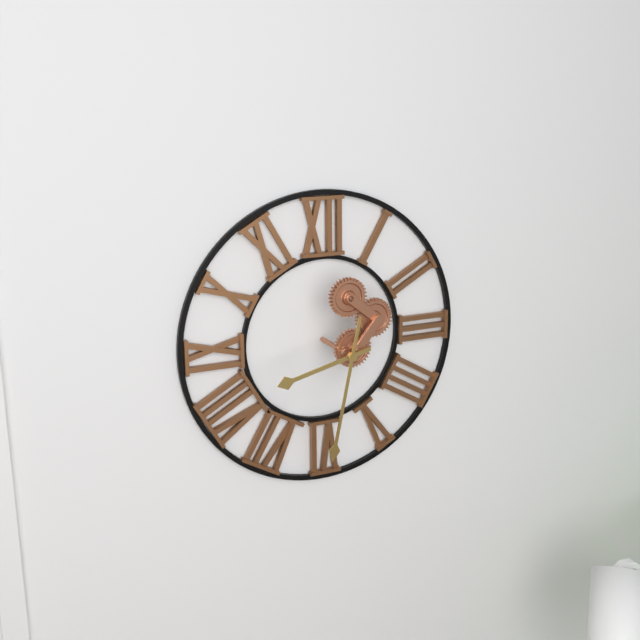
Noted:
8:32
